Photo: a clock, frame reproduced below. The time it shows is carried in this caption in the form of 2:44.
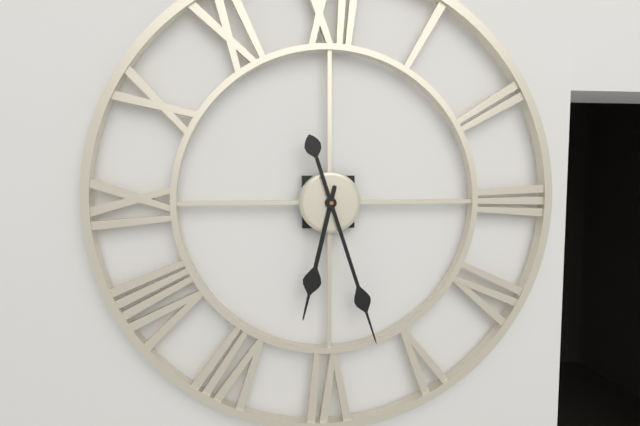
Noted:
6:27
